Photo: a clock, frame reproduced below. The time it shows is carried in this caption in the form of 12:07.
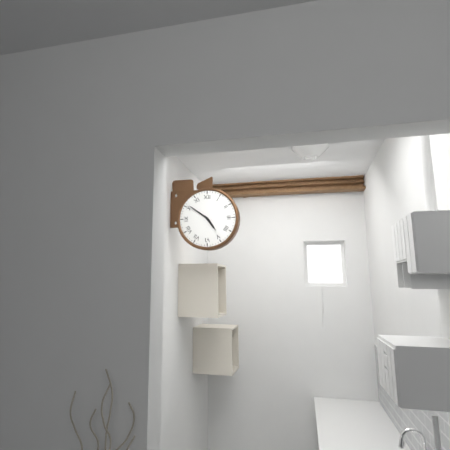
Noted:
4:51
